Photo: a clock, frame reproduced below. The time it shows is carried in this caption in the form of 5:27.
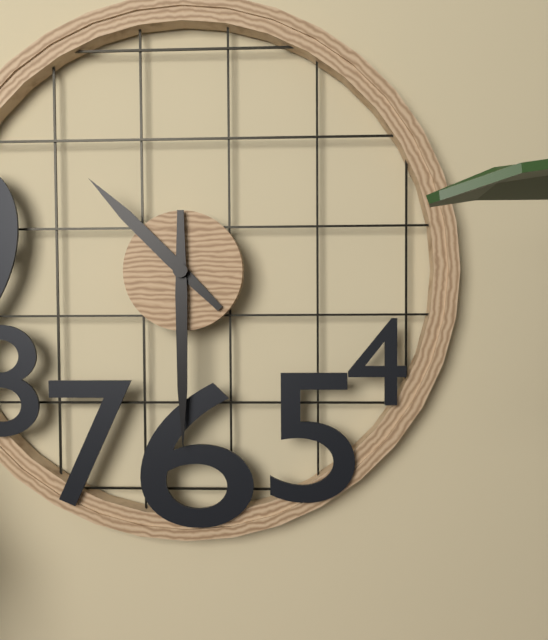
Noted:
10:30
